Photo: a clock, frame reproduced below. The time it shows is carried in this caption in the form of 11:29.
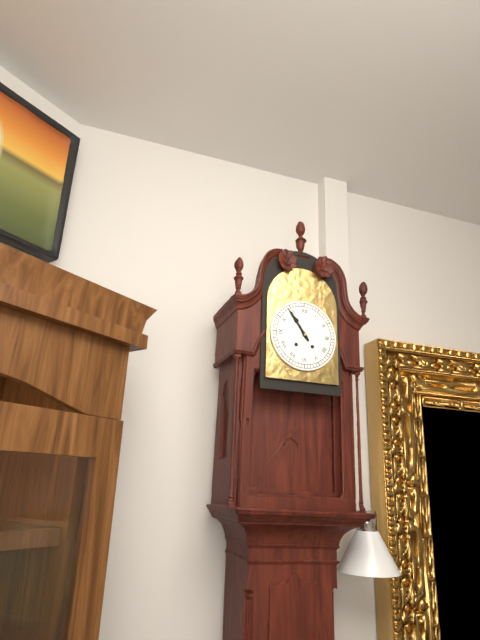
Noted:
10:54
